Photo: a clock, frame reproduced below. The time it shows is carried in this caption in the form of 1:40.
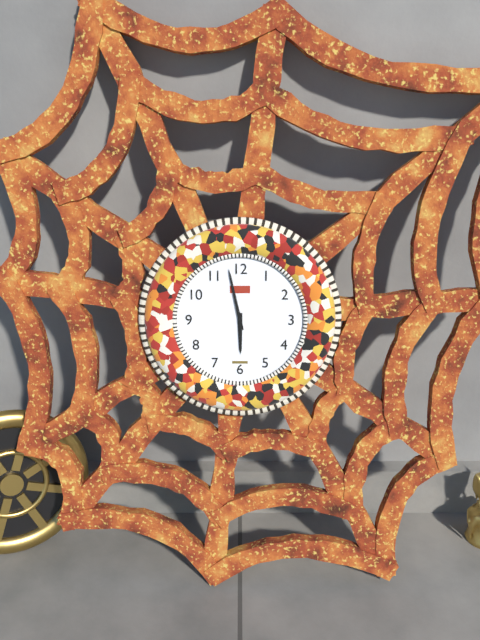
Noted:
5:58
